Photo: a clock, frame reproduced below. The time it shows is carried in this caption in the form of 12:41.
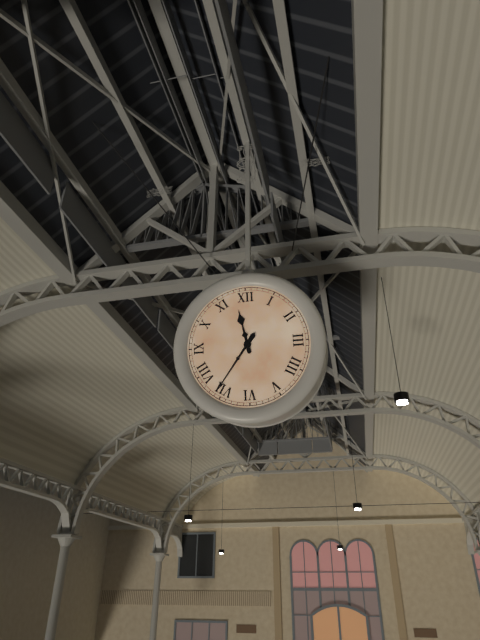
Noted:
11:36
